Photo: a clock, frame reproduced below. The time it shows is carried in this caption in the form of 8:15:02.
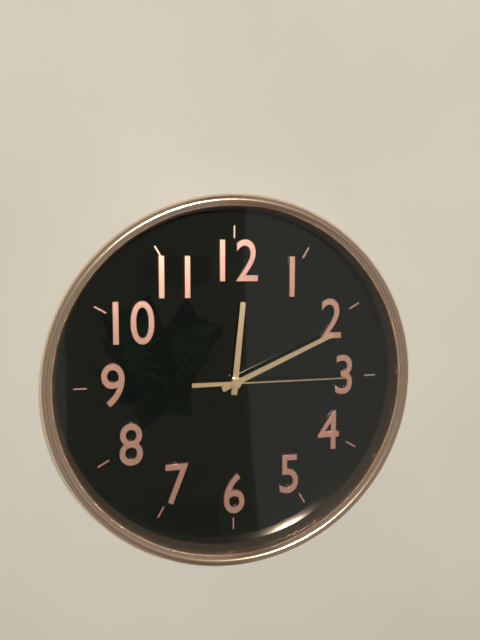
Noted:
12:11:15
